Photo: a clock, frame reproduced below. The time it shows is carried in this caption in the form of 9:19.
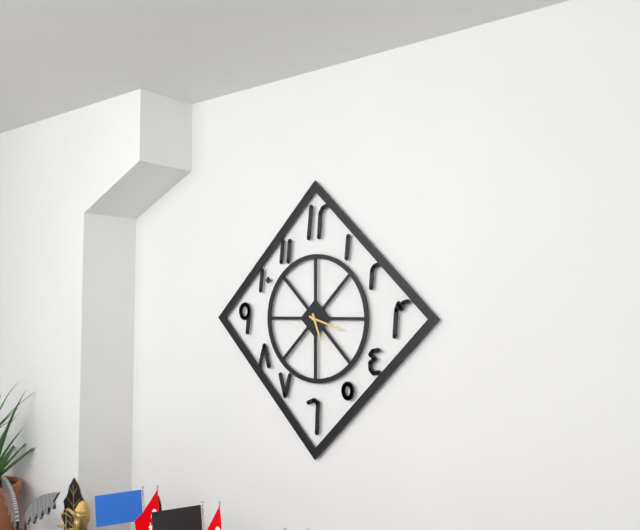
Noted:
5:18
